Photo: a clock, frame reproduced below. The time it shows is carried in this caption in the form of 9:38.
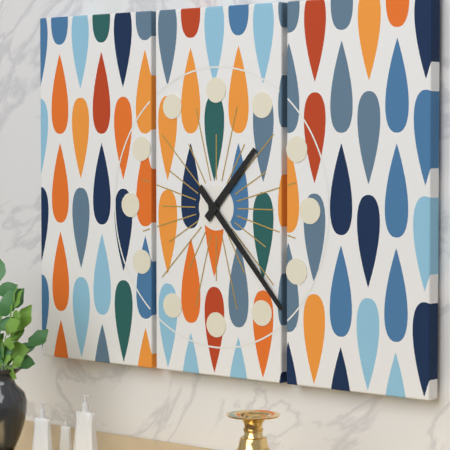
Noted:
1:23
